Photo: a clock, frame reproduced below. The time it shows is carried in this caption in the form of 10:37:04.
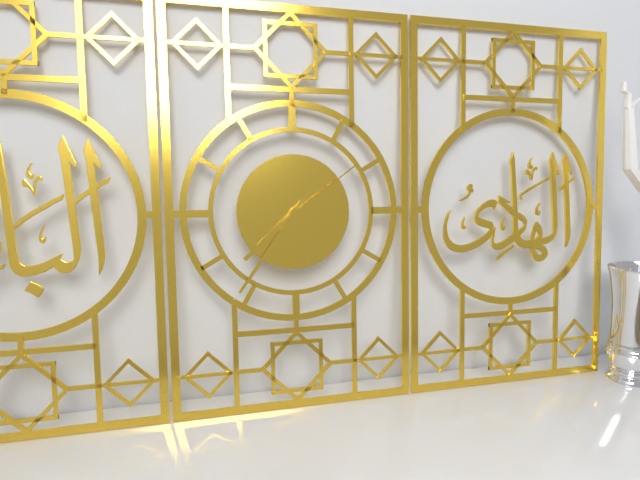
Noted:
7:36:09
